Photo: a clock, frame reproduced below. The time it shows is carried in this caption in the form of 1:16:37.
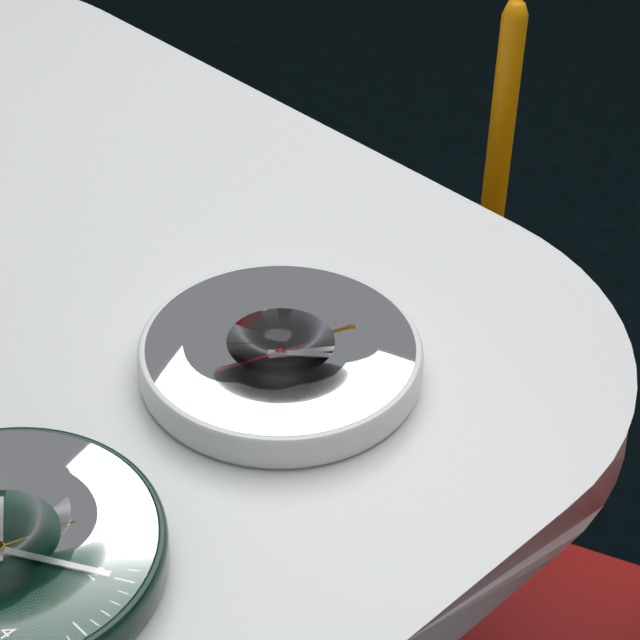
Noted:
1:08:33
